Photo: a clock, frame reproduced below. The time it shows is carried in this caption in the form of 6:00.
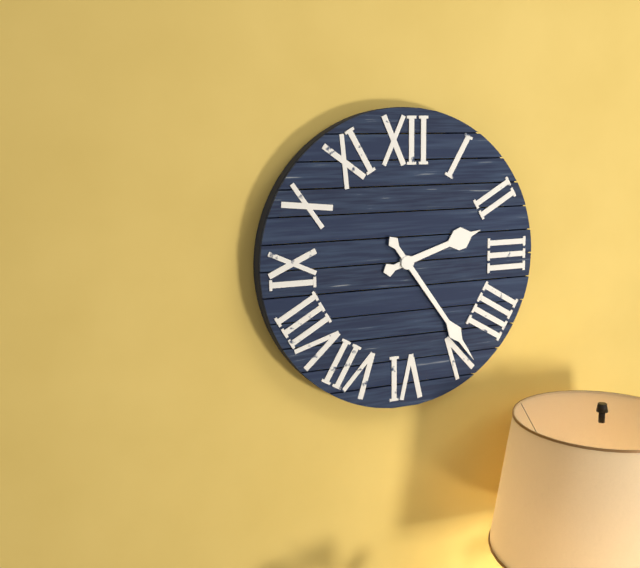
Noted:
2:24
